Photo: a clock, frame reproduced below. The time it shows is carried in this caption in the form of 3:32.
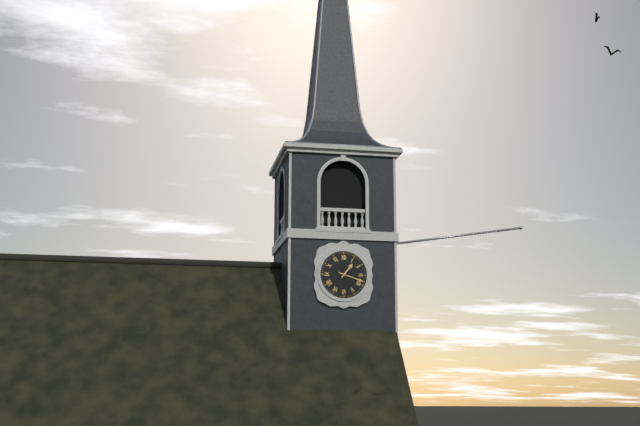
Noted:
1:18
